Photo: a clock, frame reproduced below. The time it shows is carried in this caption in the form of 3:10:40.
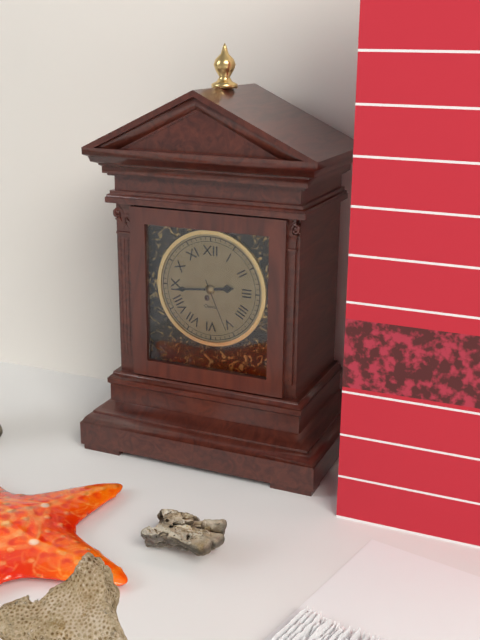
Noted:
2:44:26
